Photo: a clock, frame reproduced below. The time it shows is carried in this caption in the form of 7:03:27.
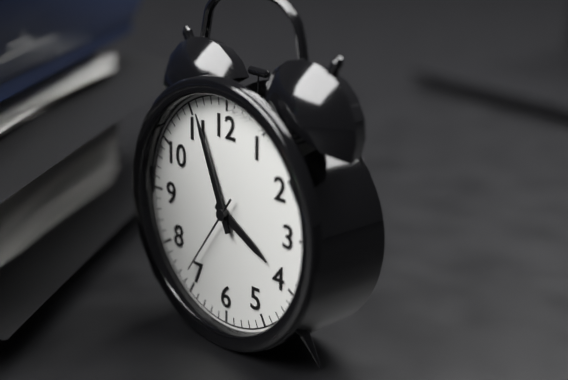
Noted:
3:56:36
